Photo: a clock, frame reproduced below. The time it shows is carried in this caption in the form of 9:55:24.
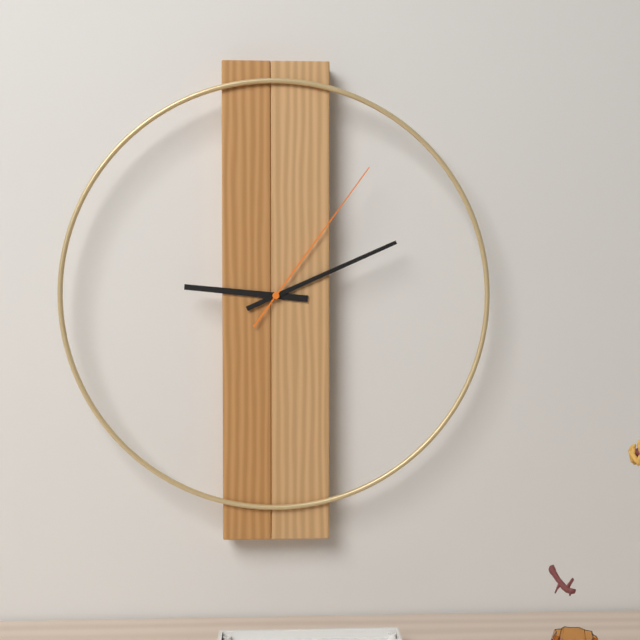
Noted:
9:11:06
